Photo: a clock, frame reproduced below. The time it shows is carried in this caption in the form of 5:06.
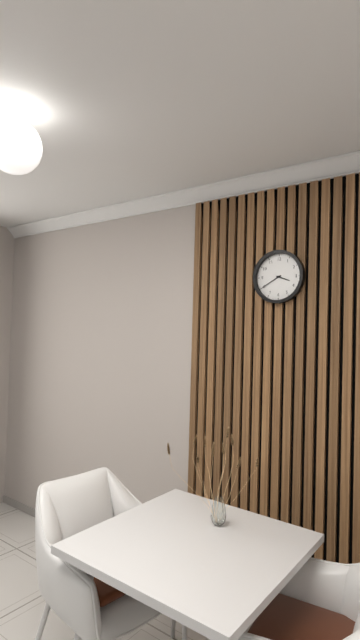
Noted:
3:40
